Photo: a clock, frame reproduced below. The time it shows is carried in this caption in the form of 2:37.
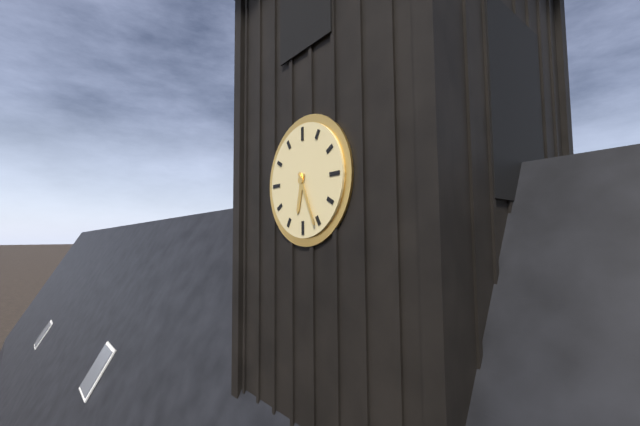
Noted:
6:26
